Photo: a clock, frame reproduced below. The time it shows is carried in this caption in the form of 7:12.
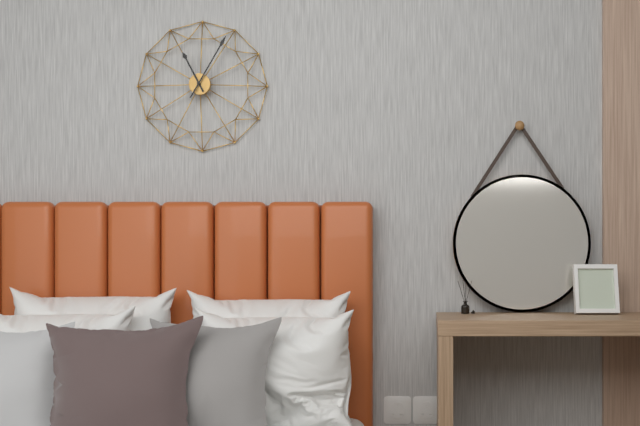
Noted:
11:05
